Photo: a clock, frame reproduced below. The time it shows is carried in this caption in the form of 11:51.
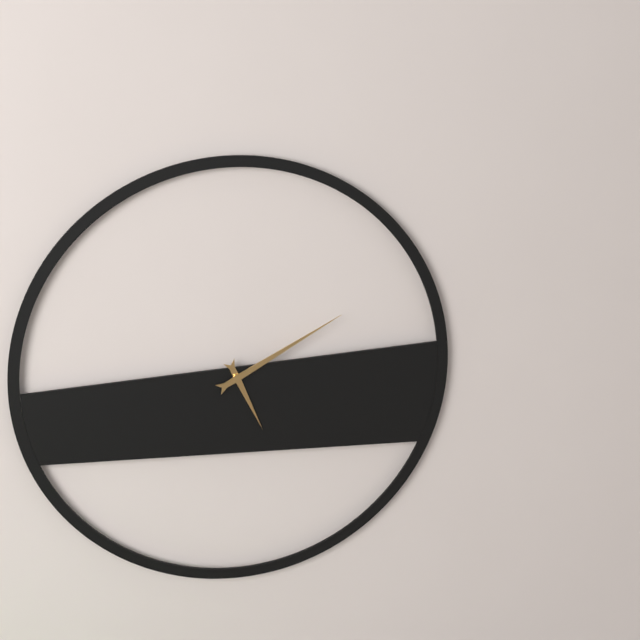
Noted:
5:10
